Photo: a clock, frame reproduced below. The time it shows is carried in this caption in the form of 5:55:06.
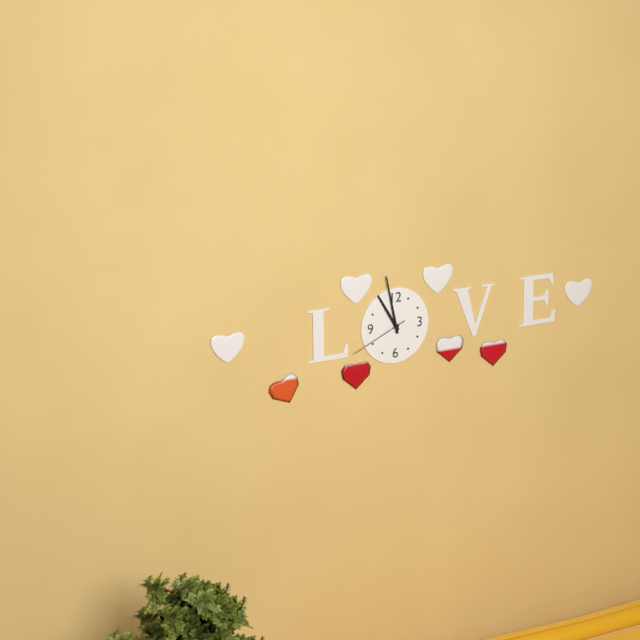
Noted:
10:58:41
